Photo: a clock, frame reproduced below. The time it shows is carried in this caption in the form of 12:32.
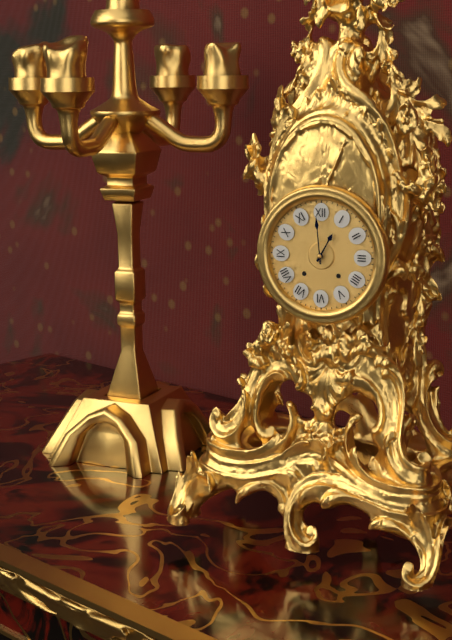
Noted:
12:59
